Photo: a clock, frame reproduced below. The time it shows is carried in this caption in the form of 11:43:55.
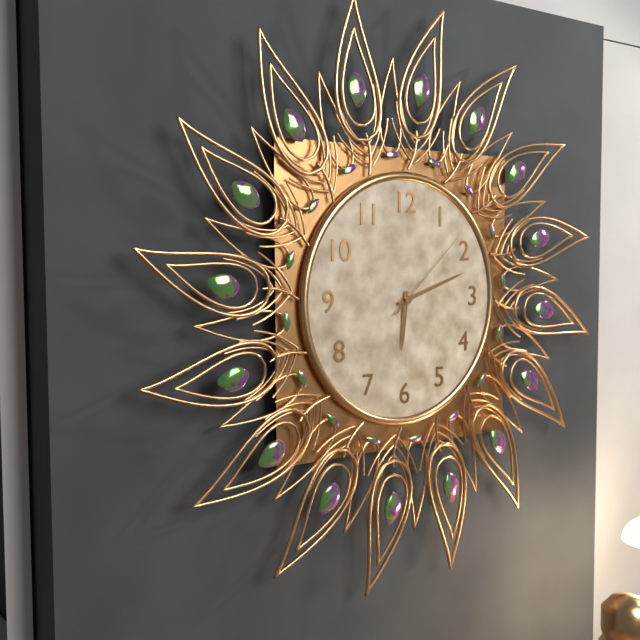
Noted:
6:12:08
